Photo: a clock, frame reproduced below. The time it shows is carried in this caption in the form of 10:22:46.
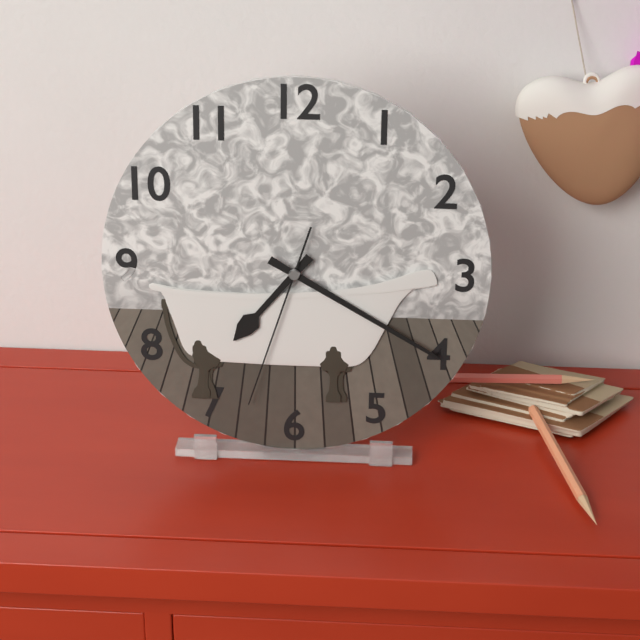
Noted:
7:20:33
